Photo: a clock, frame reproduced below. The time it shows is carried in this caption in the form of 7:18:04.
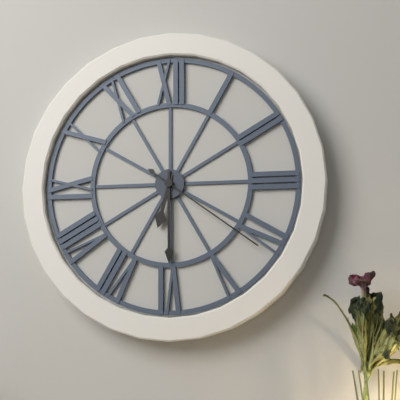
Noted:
6:30:21
